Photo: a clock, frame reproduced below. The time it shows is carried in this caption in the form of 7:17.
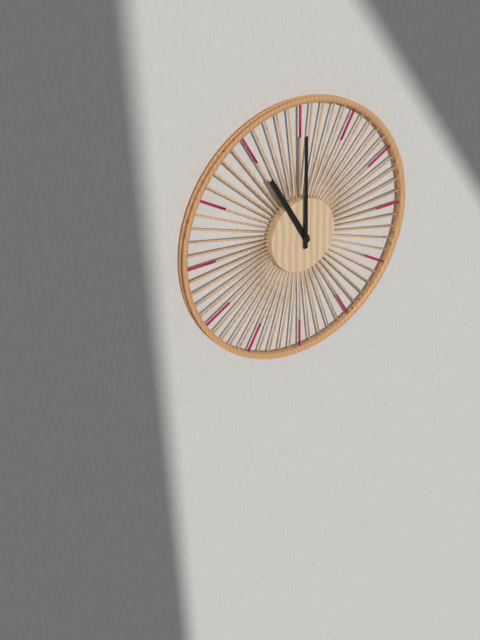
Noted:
11:00
